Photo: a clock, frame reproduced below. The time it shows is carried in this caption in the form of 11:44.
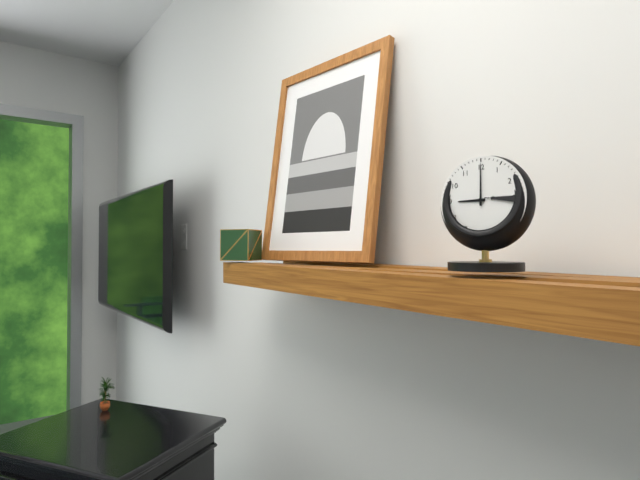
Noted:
9:00
